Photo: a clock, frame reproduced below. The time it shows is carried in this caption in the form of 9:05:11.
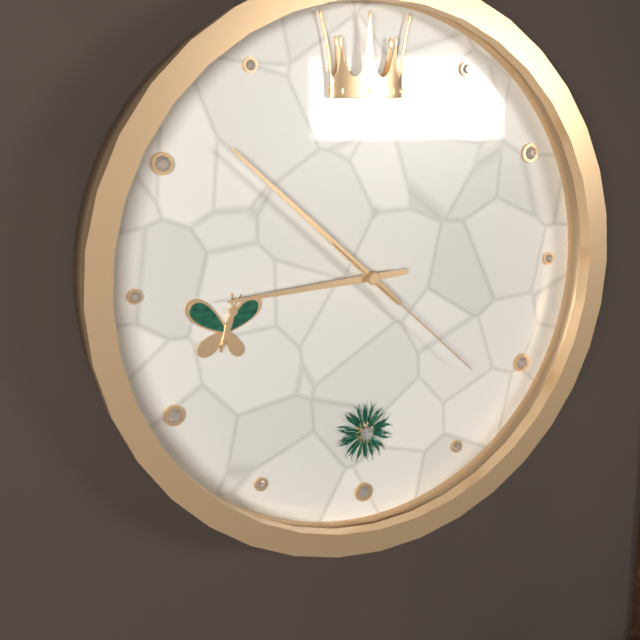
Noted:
8:52:22
